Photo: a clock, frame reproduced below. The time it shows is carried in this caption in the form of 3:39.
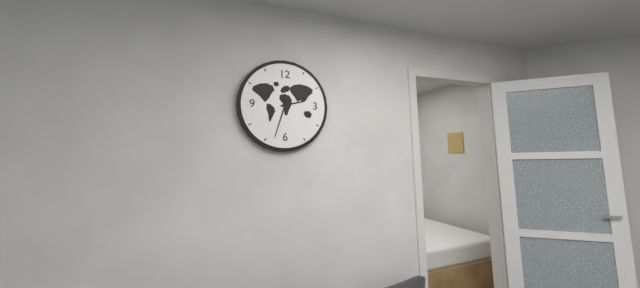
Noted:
2:33
